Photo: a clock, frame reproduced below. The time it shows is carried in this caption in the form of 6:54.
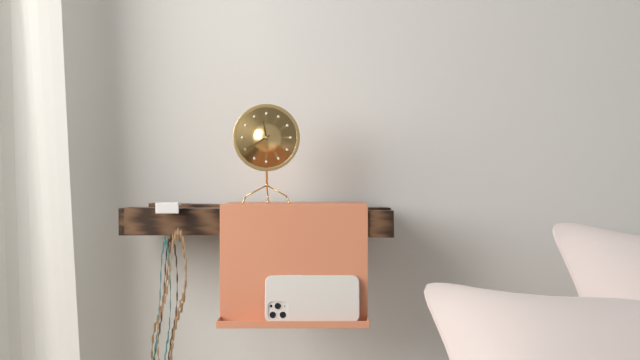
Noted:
11:40
